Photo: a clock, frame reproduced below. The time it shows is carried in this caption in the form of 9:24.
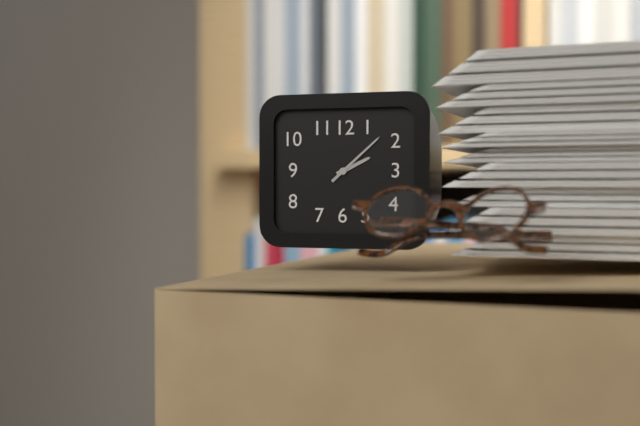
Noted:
2:08
